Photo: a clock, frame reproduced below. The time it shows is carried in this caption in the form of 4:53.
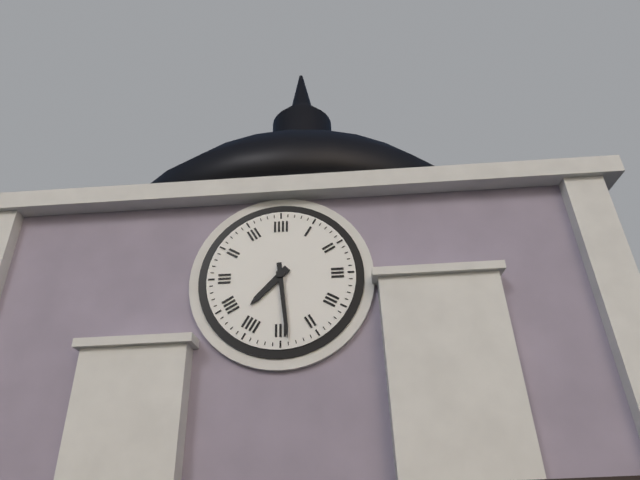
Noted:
7:29
